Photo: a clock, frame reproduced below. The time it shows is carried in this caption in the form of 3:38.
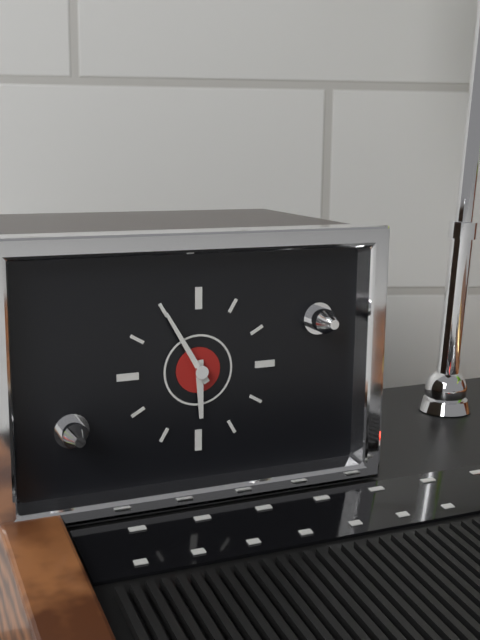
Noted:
5:55
